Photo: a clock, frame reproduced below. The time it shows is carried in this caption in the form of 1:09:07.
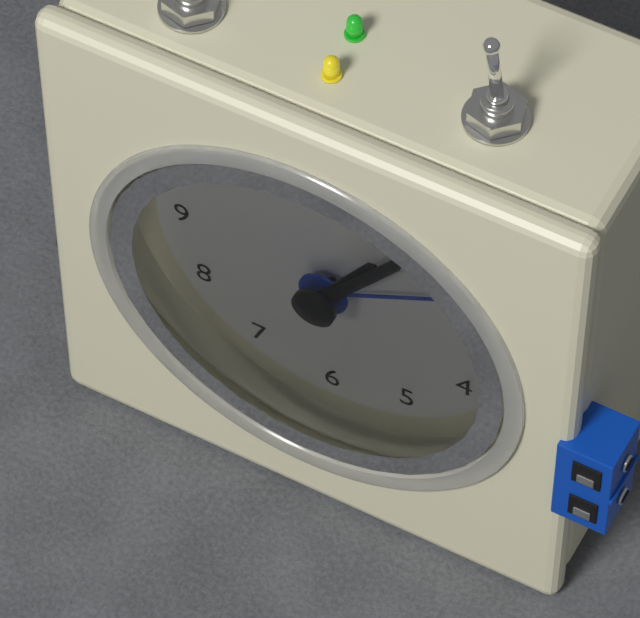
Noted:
1:06:10
